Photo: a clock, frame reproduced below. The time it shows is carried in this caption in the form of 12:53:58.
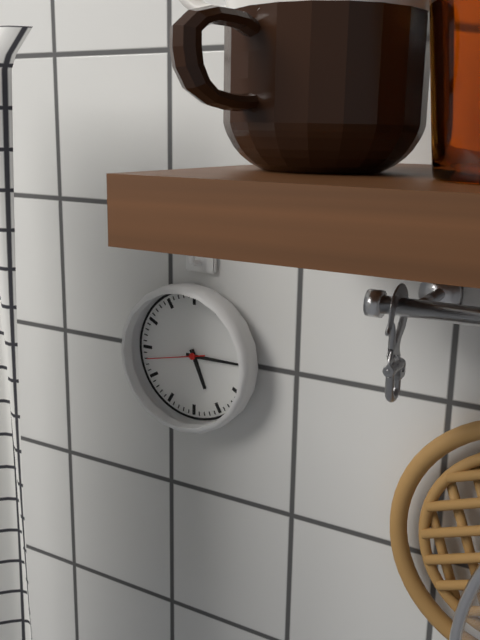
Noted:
5:15:43
